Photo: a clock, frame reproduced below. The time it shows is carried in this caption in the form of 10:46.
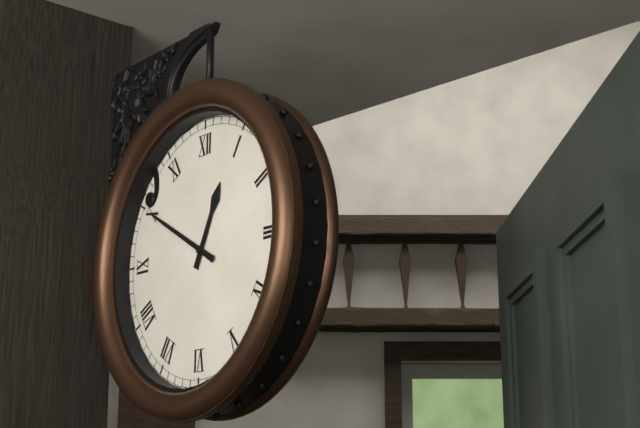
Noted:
12:50
